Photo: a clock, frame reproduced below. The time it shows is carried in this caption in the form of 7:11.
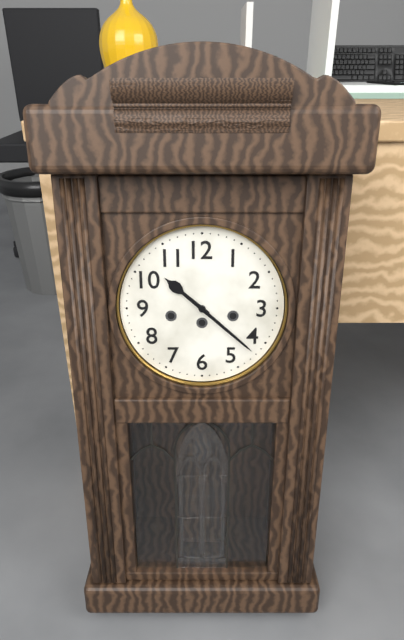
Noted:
10:22
